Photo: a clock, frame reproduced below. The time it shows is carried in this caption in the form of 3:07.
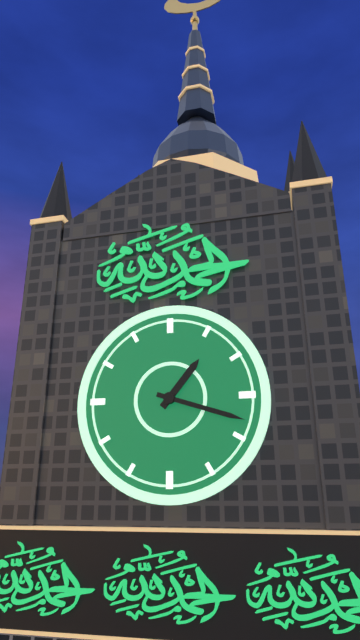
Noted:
1:18
